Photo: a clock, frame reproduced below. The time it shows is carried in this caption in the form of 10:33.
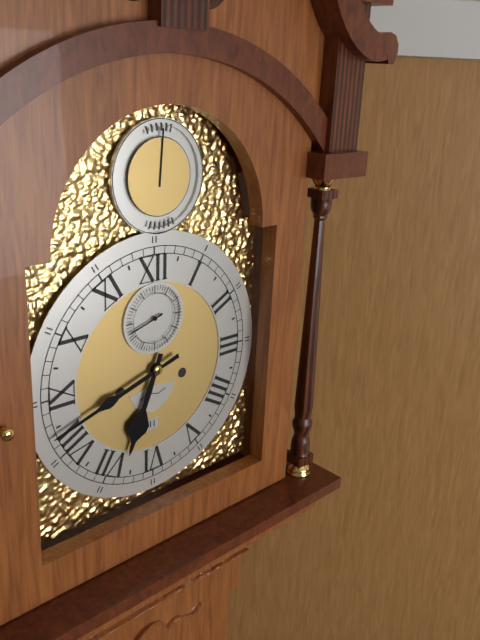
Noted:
6:42
